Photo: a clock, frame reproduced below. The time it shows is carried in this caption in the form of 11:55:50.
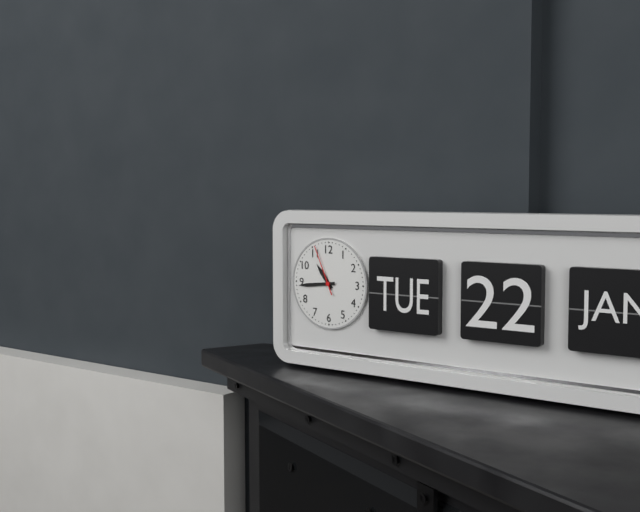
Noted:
10:44:56
